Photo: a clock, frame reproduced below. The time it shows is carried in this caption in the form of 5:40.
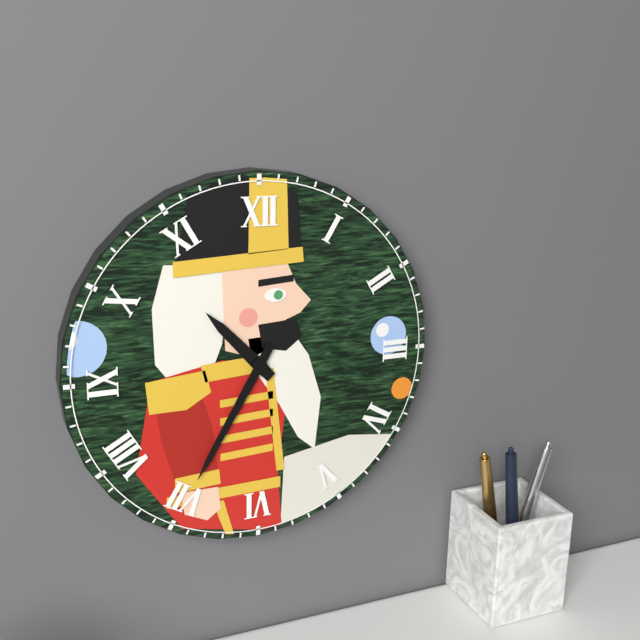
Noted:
10:35
